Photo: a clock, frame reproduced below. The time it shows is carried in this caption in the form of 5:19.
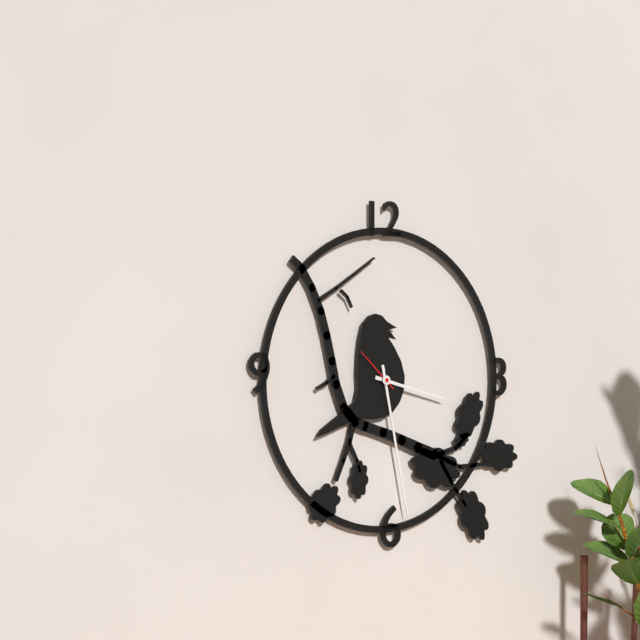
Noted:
3:28
